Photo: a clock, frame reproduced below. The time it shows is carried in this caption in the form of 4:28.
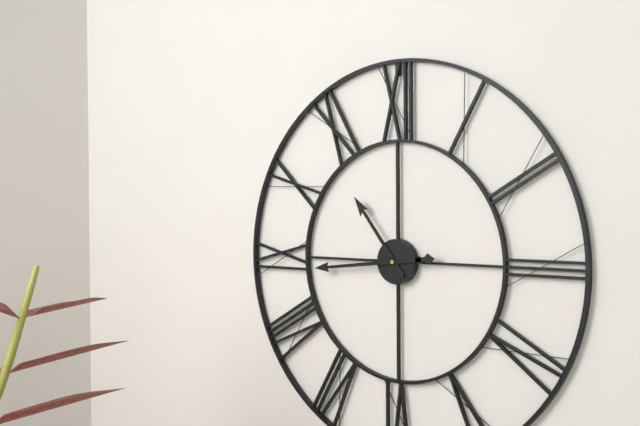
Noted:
10:44
